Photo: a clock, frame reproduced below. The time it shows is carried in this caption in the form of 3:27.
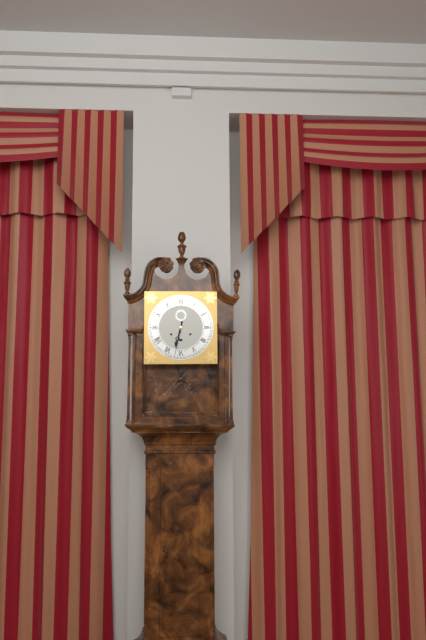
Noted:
6:32
